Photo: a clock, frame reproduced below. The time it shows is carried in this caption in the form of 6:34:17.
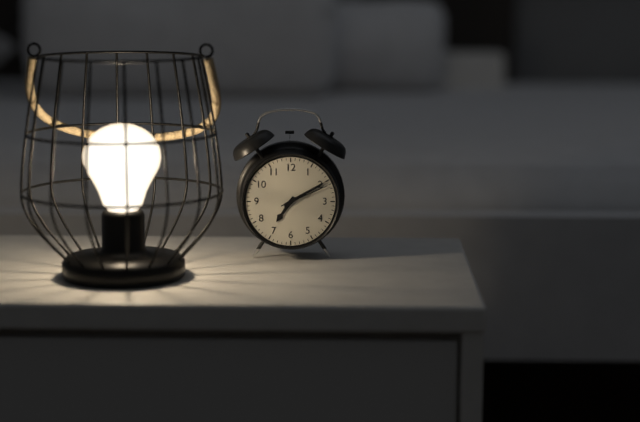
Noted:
7:10:11
